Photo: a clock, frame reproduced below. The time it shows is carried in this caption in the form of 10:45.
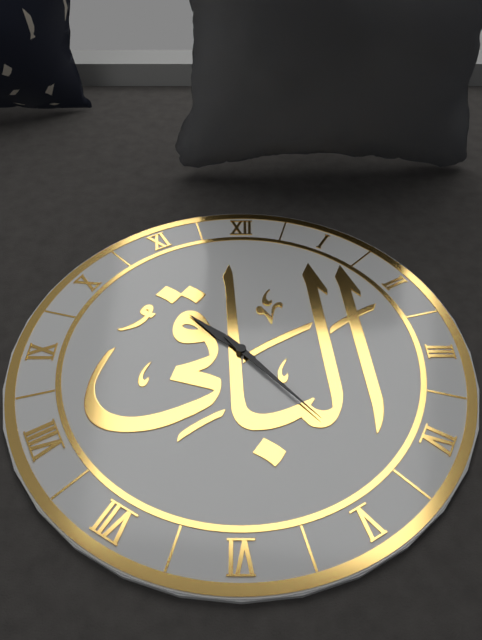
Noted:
10:23
